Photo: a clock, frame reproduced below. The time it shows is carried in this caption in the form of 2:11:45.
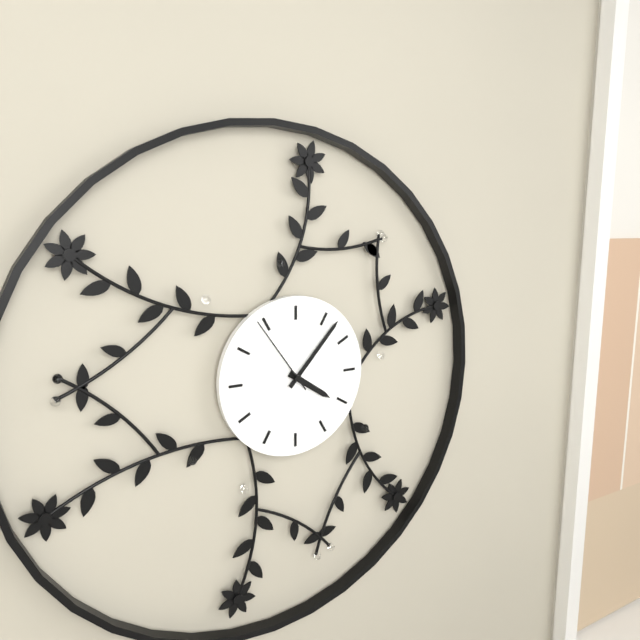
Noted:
4:07:54
